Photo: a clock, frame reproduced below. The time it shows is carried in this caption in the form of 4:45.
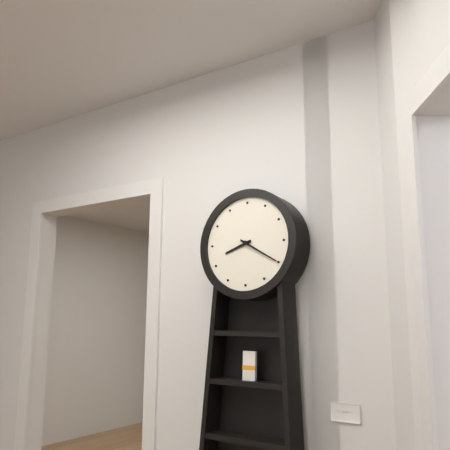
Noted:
8:20
